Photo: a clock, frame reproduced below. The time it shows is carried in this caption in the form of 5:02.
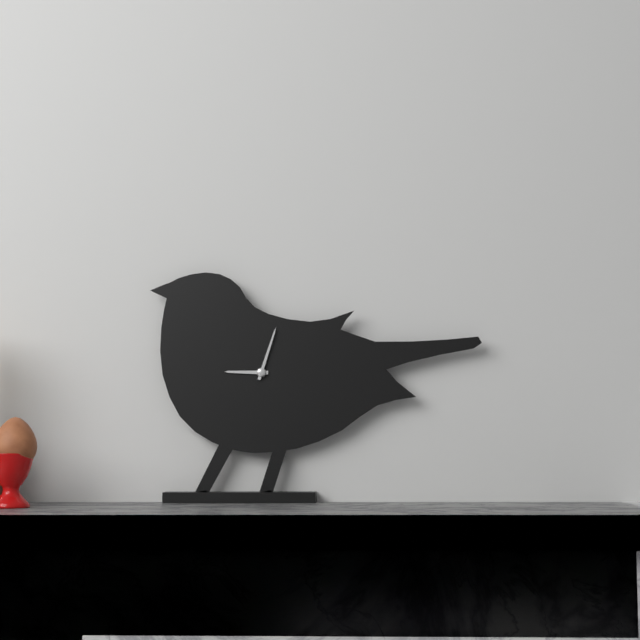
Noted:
9:03
